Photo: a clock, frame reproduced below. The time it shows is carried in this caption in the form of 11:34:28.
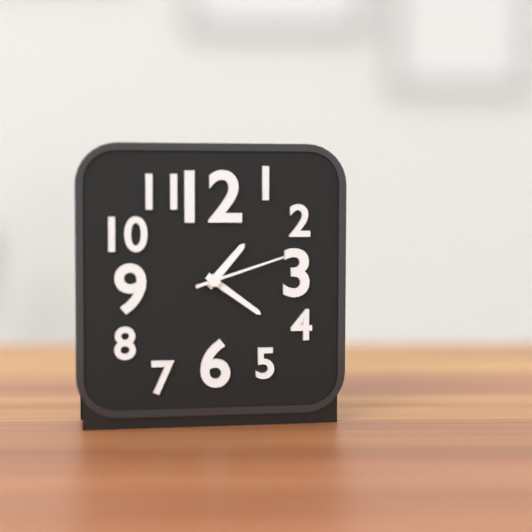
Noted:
1:21:12
